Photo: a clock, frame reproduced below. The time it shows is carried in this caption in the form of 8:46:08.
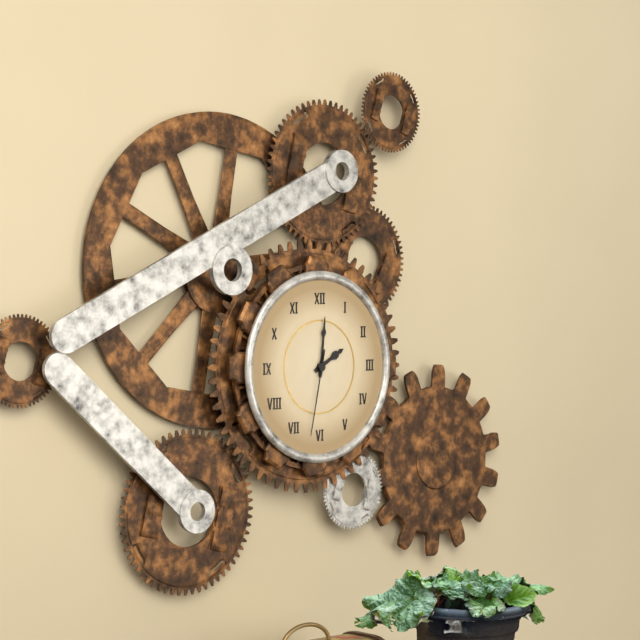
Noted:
2:01:32
